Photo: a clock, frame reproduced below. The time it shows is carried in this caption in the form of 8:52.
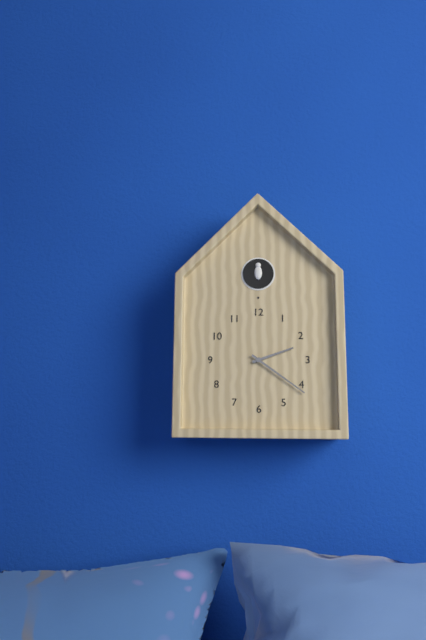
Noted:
2:21
